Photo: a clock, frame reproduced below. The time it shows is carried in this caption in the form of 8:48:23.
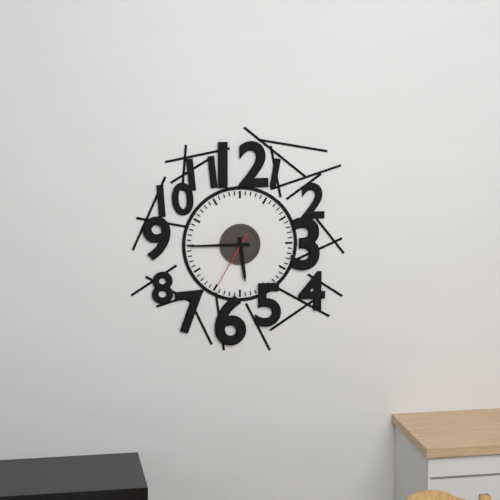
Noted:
5:45:35
